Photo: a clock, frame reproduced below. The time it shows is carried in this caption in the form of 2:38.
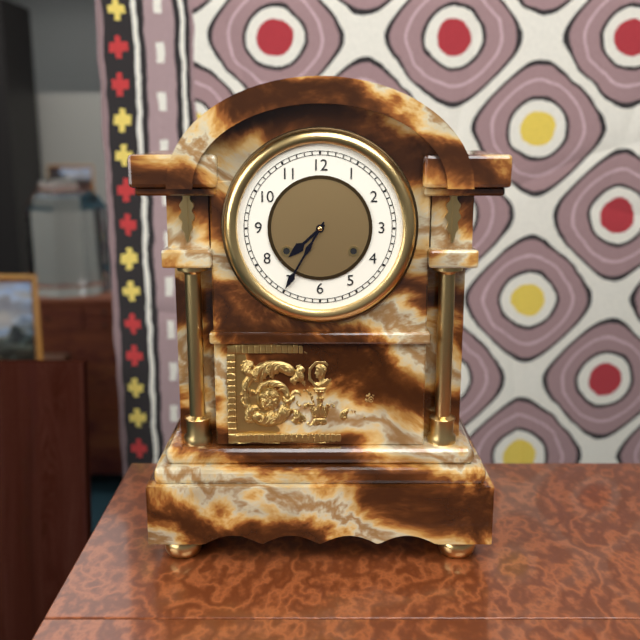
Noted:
7:35
